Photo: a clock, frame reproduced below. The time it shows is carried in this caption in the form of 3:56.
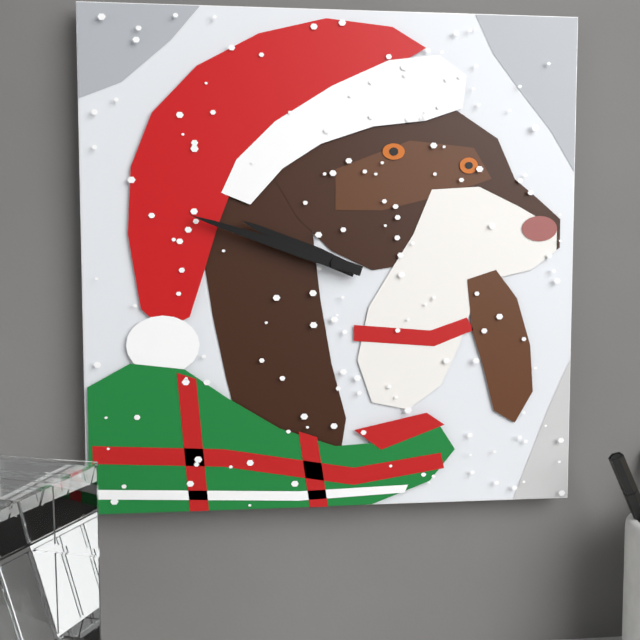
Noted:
9:48
